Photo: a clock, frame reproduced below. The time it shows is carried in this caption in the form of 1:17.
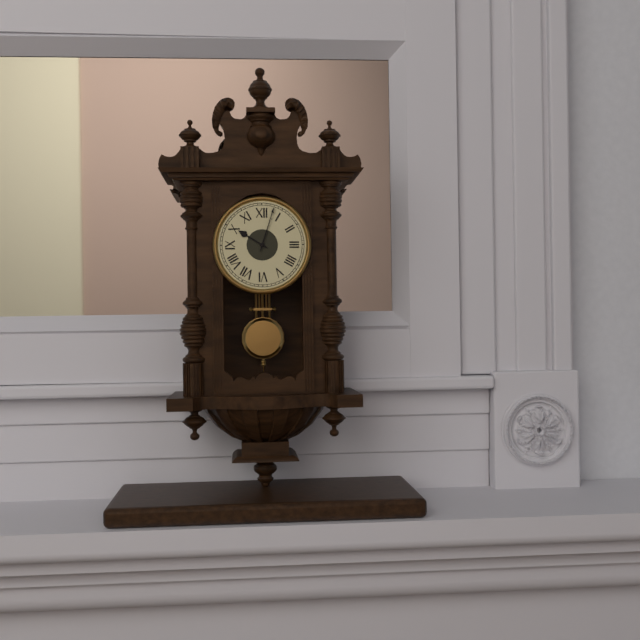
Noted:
10:03
